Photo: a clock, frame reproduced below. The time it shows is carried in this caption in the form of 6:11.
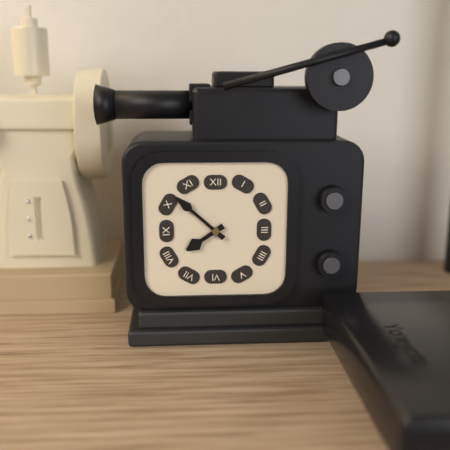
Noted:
7:52
